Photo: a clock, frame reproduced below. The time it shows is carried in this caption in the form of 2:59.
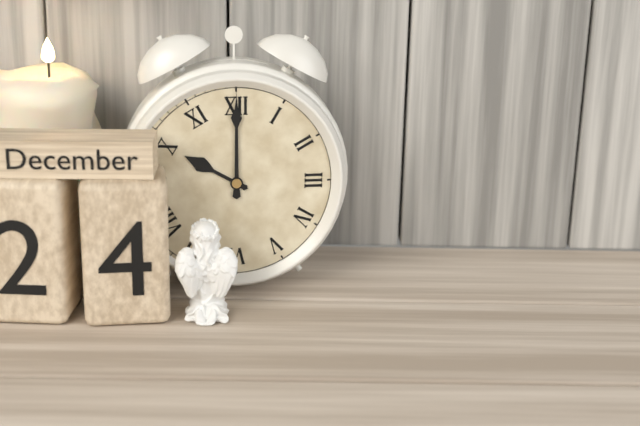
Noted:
10:00
